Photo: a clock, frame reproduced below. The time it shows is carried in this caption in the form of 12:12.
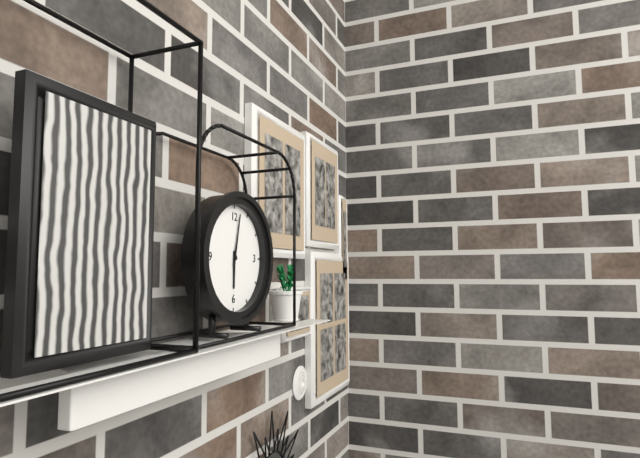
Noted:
6:02
